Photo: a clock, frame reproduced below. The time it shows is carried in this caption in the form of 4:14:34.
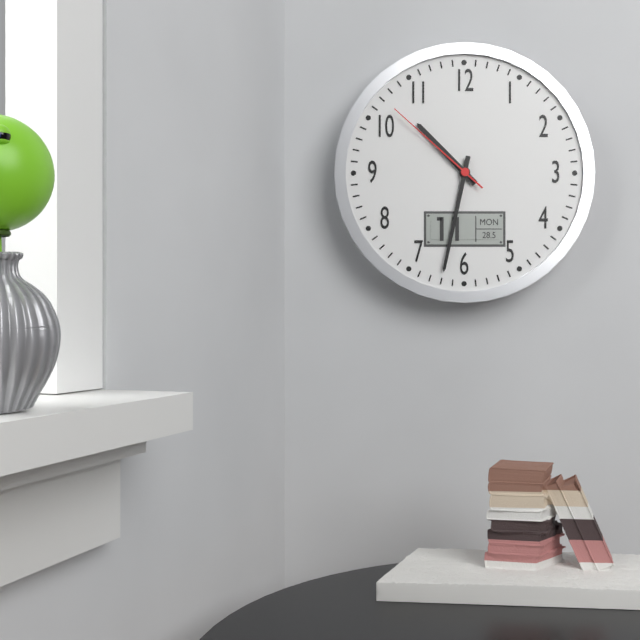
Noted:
10:32:52
